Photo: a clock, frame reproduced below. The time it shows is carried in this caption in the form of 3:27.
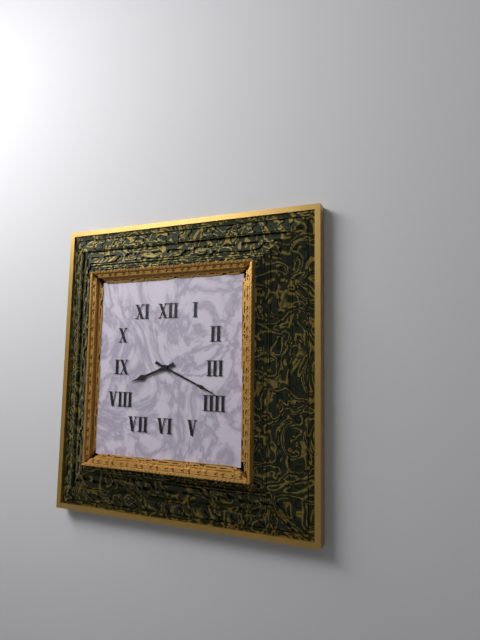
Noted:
8:19
